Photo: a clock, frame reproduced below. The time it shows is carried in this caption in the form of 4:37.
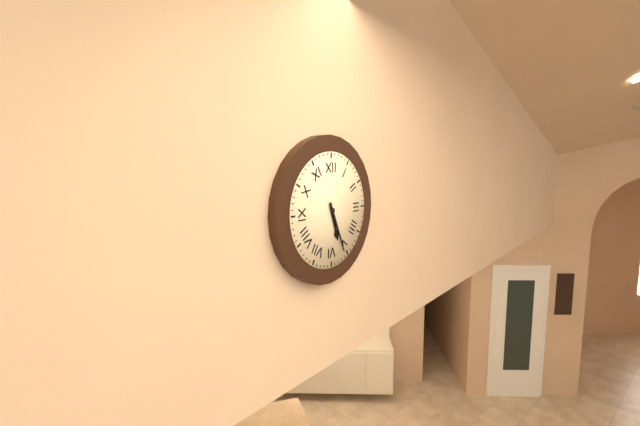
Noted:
5:26
